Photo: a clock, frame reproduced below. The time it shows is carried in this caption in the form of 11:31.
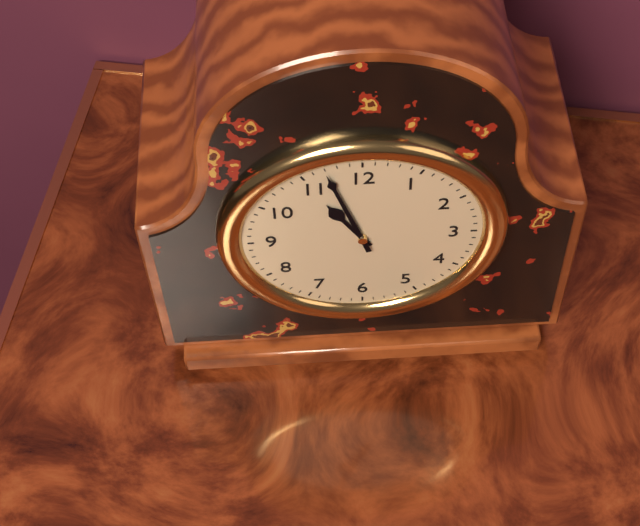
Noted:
10:57
